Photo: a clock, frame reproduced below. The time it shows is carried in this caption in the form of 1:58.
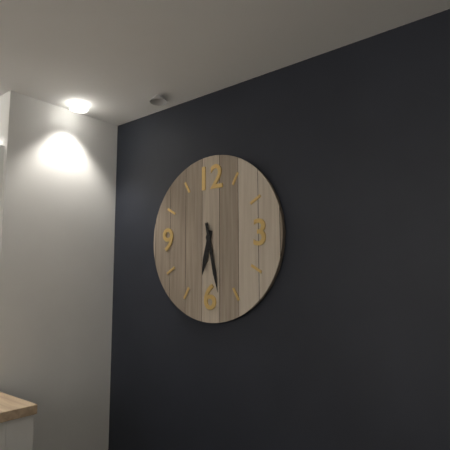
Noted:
6:28
